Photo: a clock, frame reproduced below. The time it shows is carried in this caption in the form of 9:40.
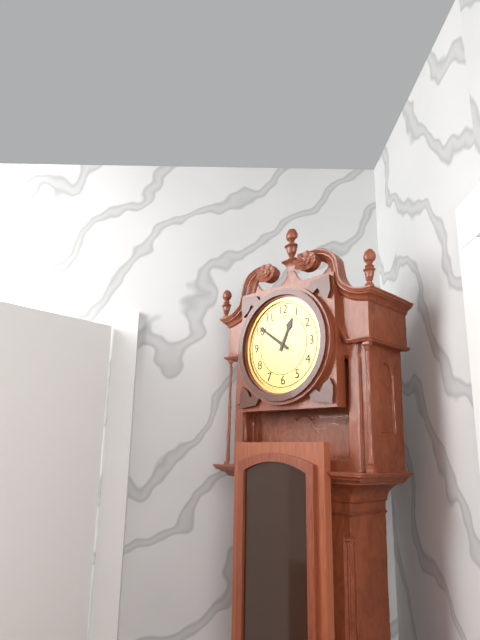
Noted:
12:51
